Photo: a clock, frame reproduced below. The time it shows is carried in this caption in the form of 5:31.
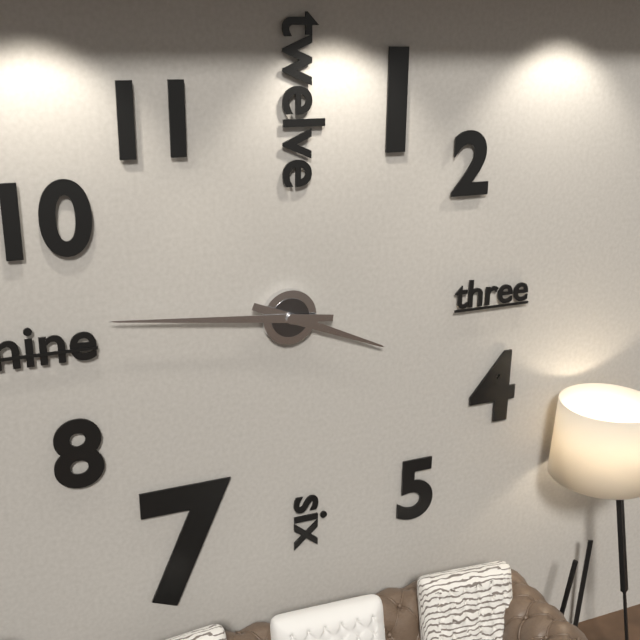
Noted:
3:46
